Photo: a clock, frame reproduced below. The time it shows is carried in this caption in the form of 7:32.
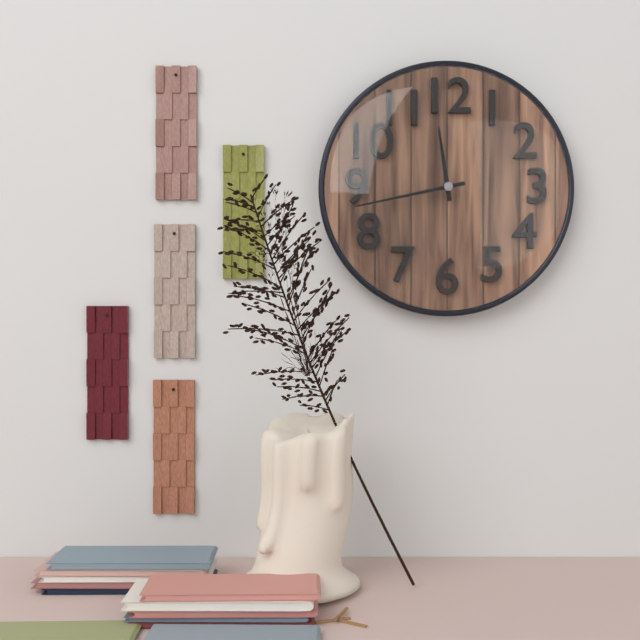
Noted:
11:43
